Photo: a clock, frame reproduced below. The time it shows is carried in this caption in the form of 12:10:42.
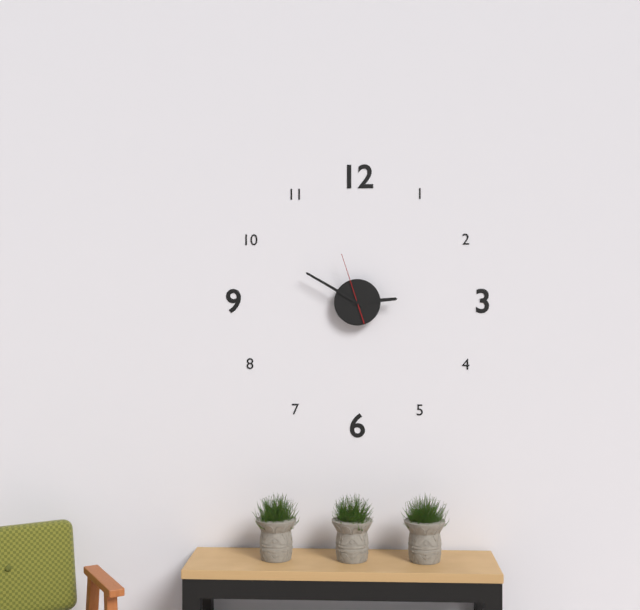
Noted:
2:50:57
